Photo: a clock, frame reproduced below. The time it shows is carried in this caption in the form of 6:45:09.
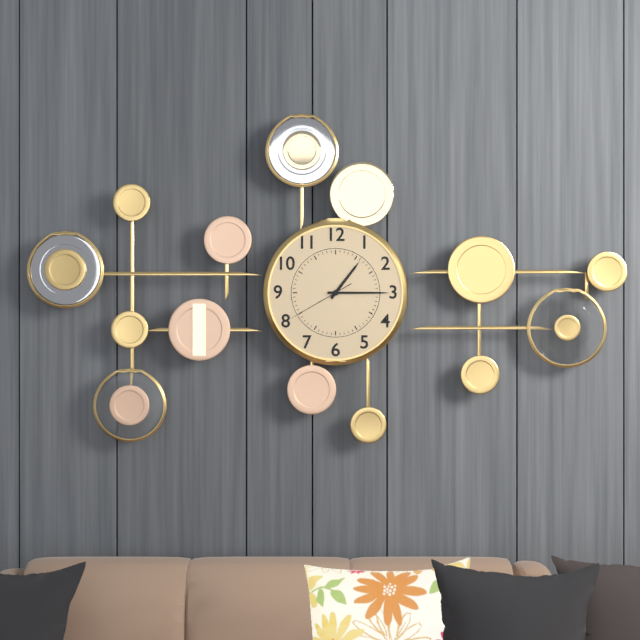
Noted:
1:15:40
